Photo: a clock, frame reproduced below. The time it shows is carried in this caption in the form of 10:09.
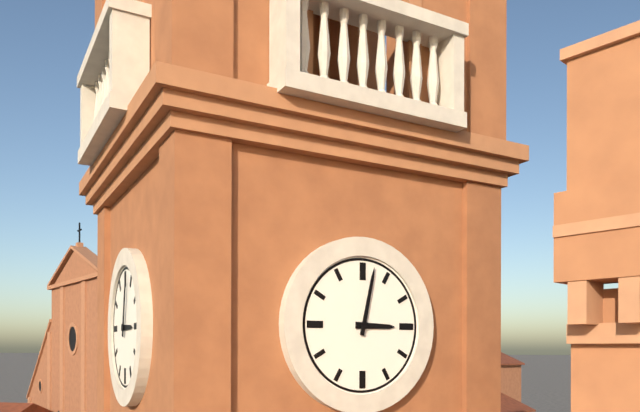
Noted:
3:02
